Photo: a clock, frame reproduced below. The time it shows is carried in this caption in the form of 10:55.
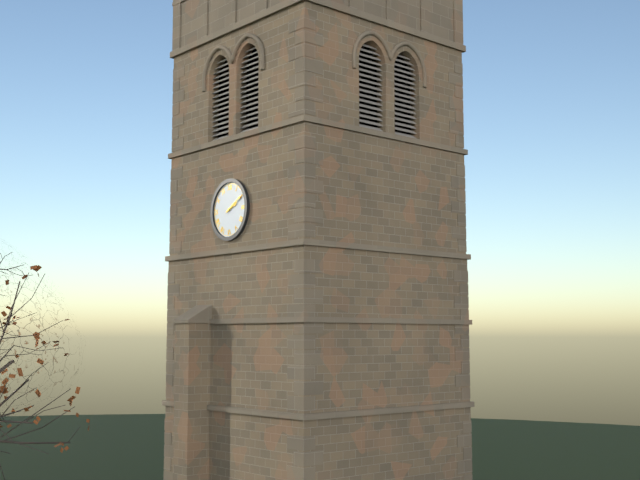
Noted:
2:10
